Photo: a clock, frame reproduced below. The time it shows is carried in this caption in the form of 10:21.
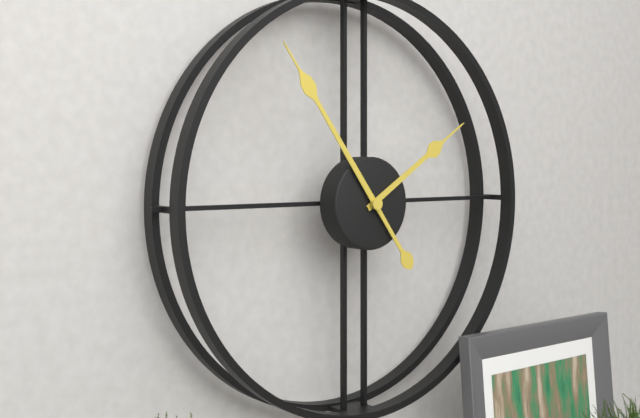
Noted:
1:54
